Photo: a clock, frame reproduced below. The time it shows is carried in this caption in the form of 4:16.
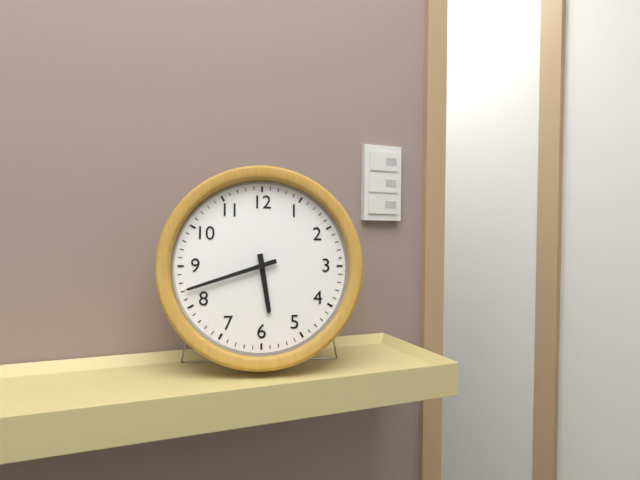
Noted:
5:42
